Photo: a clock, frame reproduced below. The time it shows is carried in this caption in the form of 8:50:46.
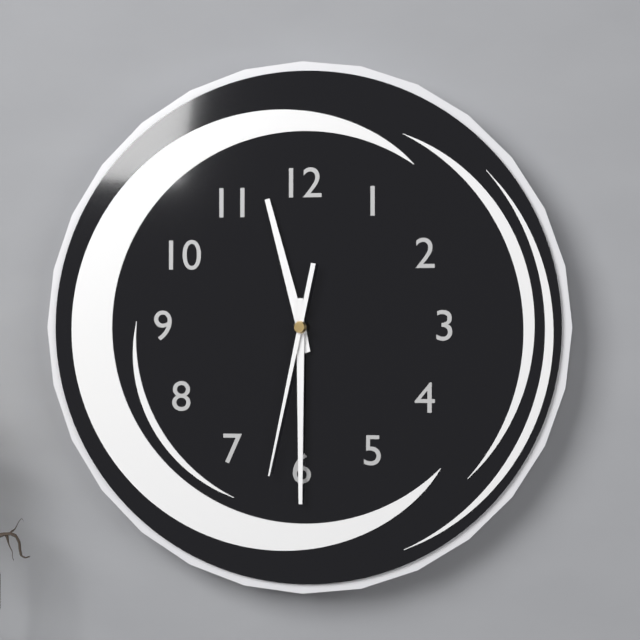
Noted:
11:30:32
